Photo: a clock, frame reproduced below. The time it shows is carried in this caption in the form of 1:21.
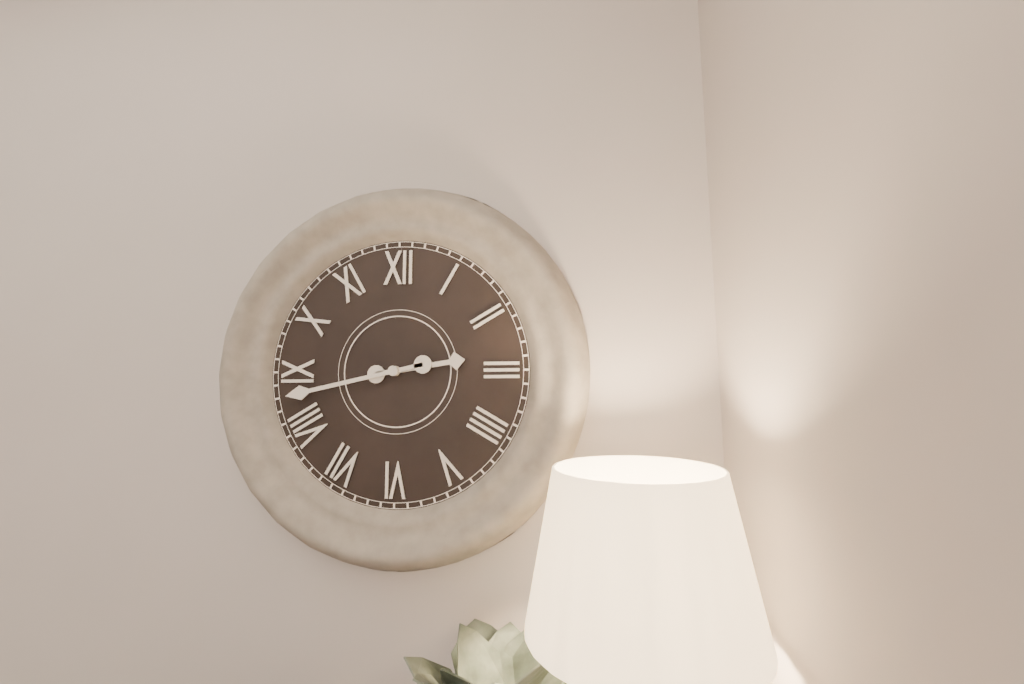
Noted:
2:43
